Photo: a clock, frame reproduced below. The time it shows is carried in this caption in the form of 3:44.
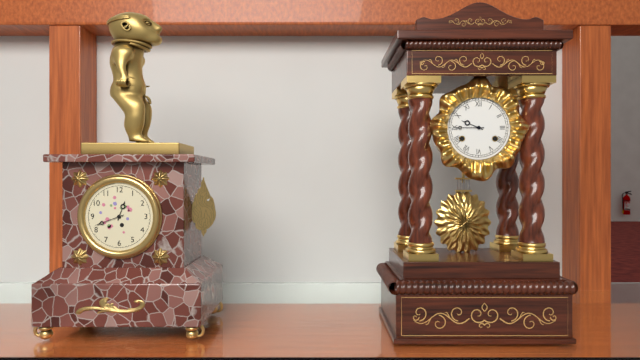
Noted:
9:45
